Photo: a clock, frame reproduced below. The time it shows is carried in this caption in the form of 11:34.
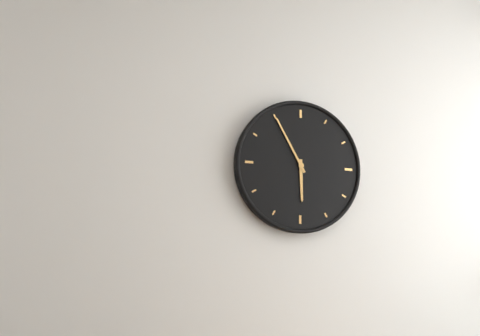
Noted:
5:55
